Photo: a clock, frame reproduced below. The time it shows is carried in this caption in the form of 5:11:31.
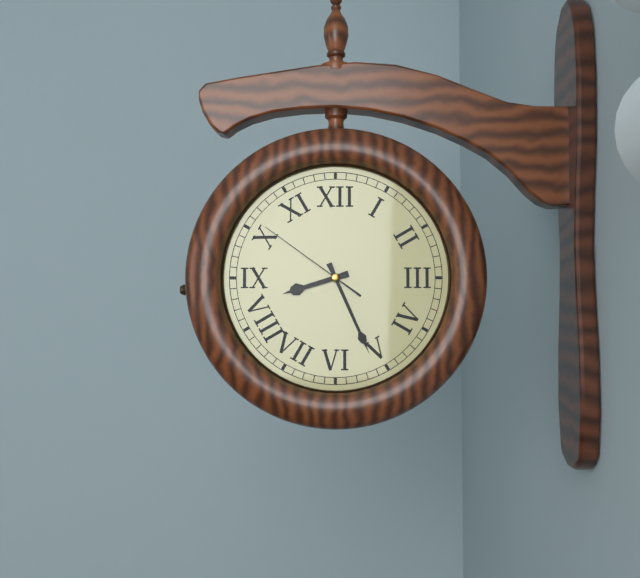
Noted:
8:26:51
